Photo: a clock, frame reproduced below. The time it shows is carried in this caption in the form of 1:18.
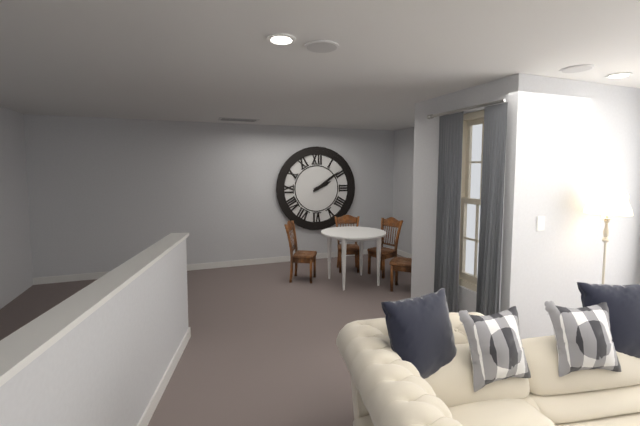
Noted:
2:09
